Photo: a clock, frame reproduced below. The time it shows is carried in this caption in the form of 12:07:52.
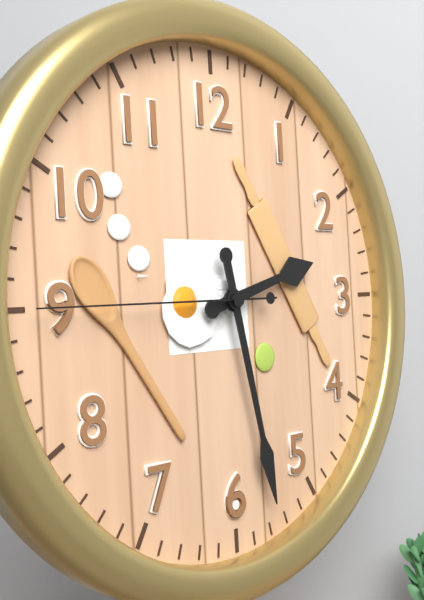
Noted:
2:28:45
